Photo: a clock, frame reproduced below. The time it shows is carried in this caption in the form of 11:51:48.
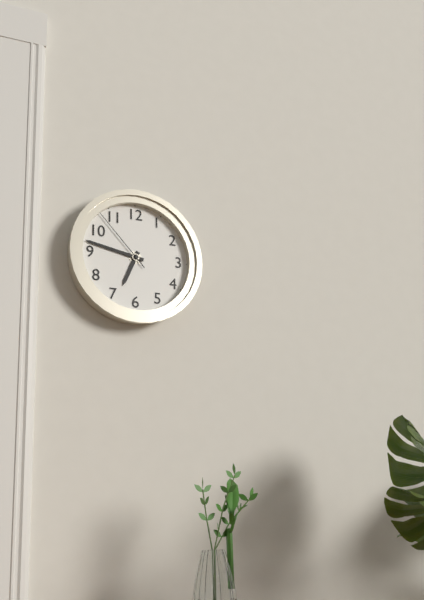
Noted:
6:47:53
